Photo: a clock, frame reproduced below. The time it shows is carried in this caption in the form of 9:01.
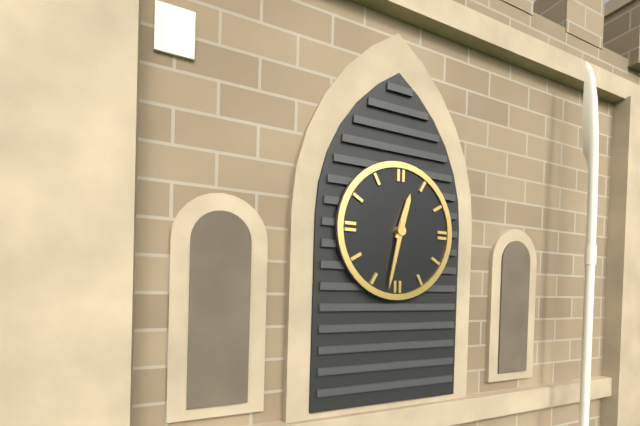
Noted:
12:32
